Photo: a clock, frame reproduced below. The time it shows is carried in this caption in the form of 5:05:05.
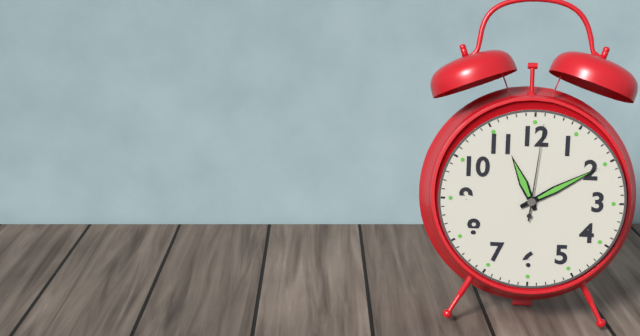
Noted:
11:10:01
